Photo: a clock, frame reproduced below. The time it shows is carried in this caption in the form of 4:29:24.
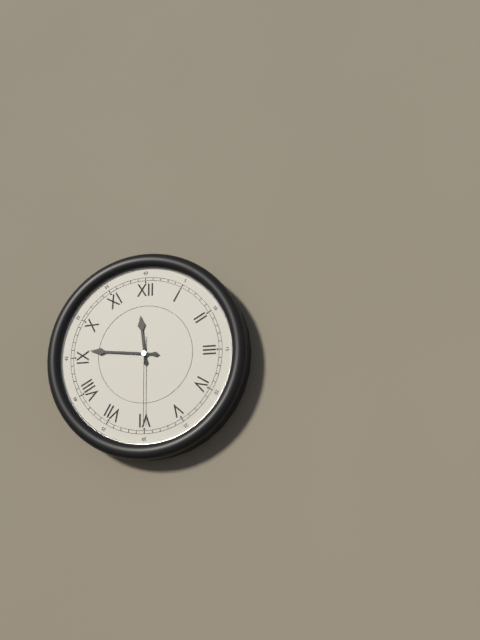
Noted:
11:46:30
